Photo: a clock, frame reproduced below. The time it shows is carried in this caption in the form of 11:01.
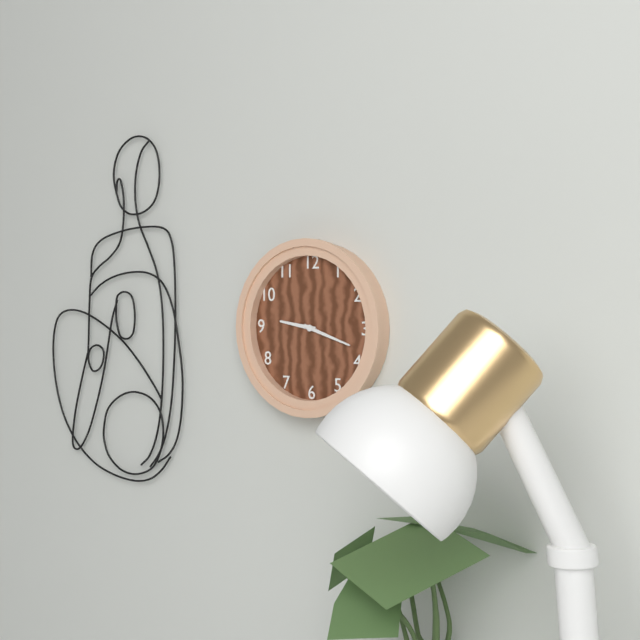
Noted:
9:18
